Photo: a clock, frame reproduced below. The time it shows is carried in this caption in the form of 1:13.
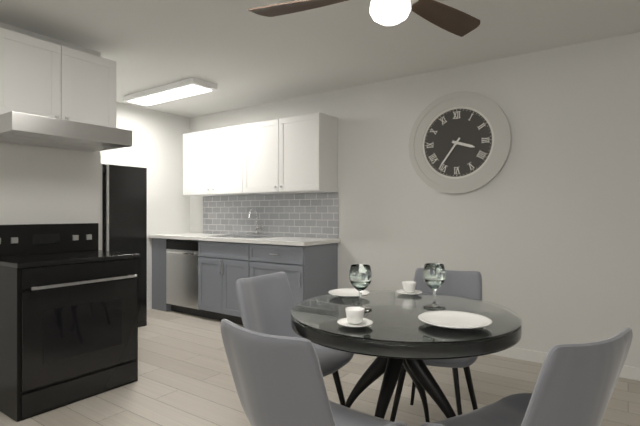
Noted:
3:36
